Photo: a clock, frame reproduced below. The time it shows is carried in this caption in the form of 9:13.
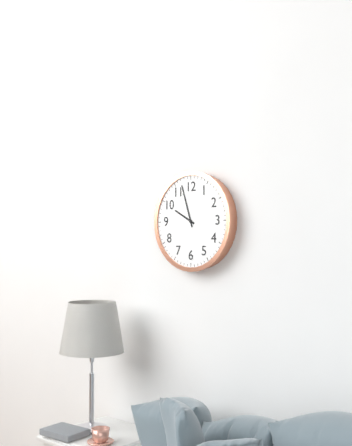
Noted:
9:57
